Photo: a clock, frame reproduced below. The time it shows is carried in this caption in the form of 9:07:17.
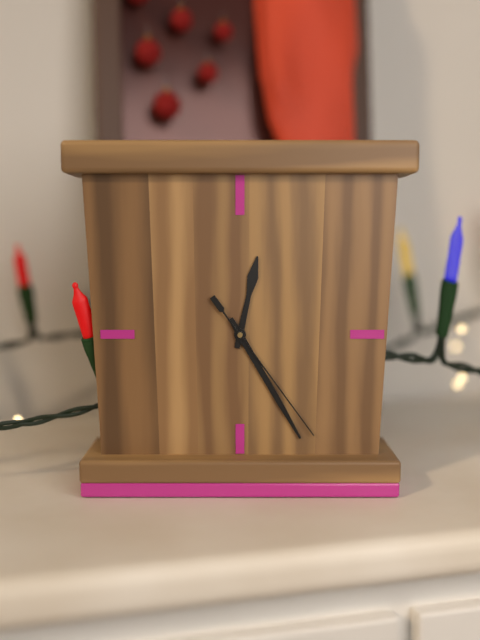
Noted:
12:25:24
